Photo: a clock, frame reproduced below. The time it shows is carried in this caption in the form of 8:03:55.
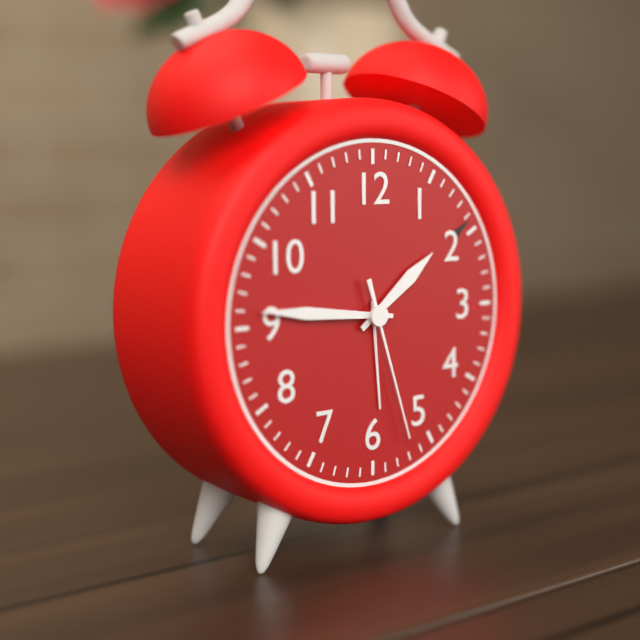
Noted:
1:46:27
